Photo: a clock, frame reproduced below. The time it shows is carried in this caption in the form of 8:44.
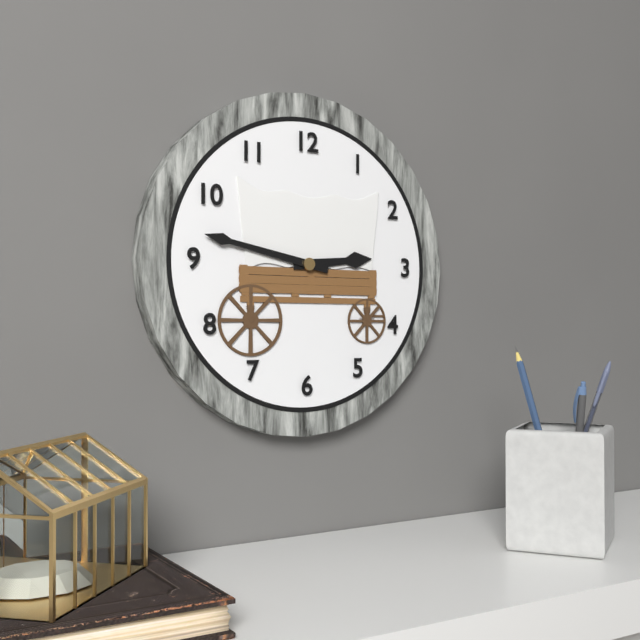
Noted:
2:47
